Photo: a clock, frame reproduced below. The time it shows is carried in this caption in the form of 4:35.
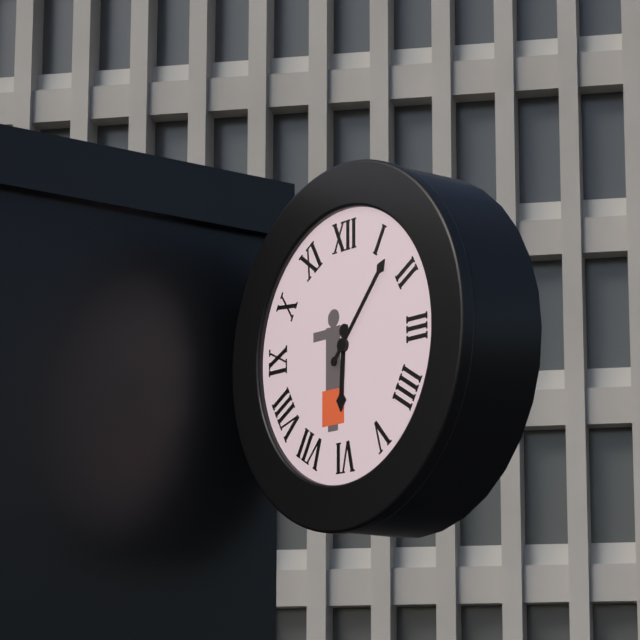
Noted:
6:07
